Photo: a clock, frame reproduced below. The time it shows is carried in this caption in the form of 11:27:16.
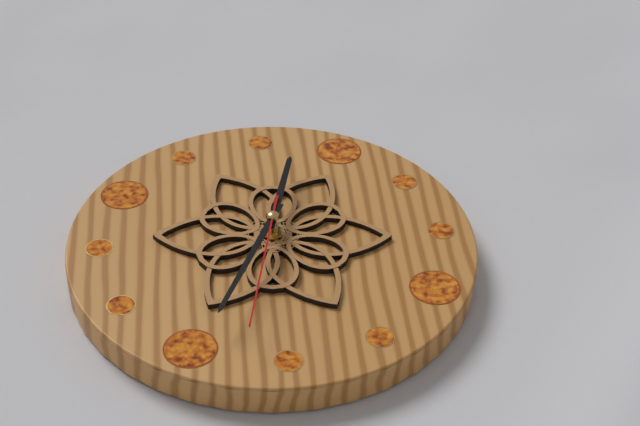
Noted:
11:29:27
